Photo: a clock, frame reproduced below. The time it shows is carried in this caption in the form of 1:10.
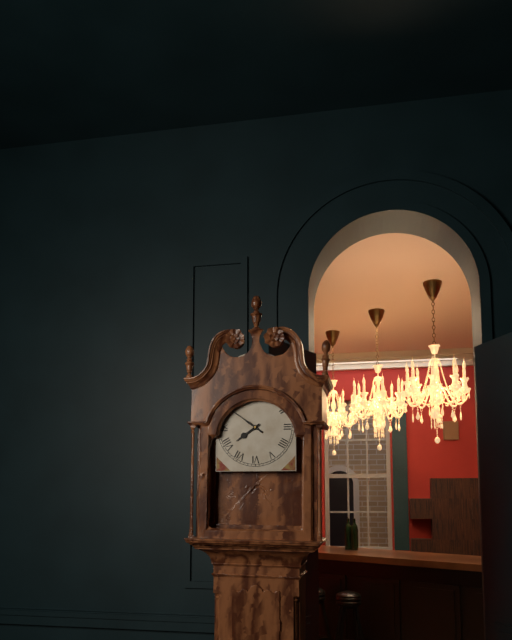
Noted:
7:51
